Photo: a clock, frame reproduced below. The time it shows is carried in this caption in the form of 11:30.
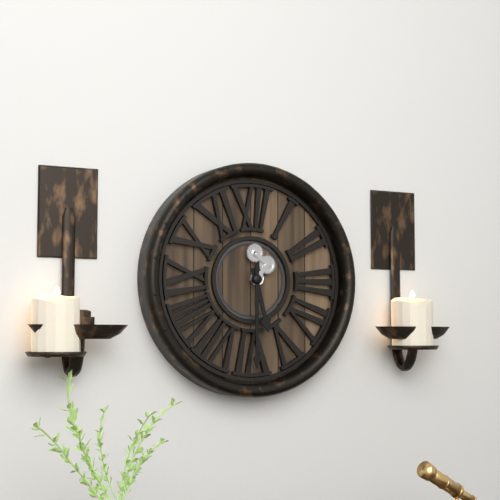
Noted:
5:30
